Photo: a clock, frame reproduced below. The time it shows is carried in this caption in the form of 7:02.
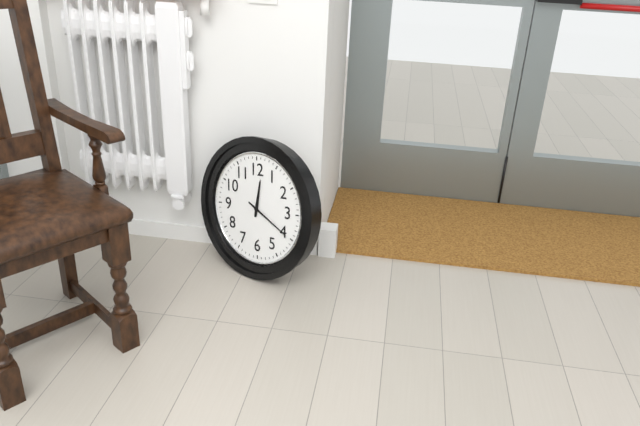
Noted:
12:20
